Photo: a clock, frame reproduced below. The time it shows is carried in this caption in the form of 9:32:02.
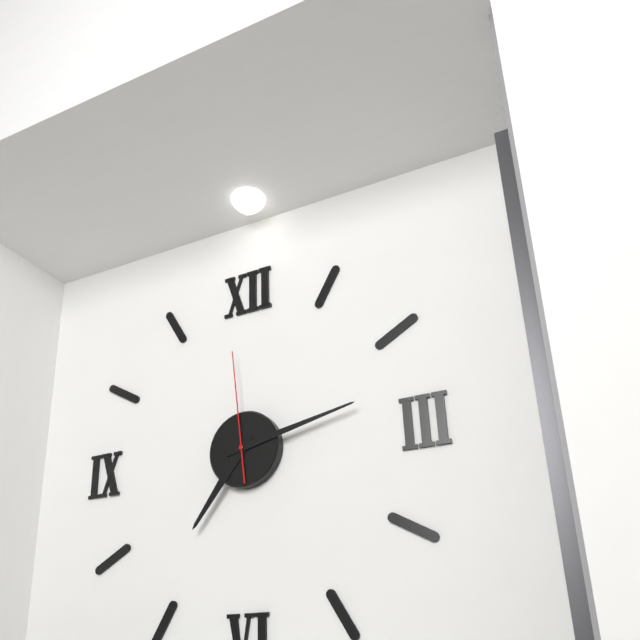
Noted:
7:13:59
